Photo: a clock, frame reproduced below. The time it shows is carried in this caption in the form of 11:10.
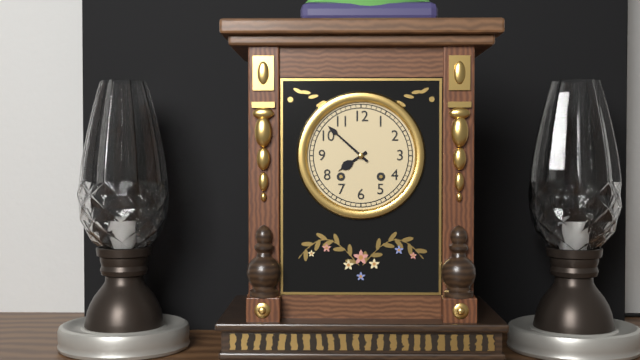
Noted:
7:52
